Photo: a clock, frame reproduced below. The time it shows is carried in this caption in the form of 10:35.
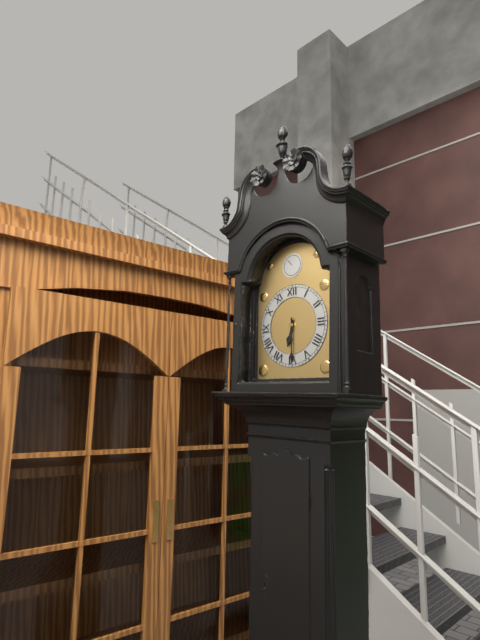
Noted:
6:30
